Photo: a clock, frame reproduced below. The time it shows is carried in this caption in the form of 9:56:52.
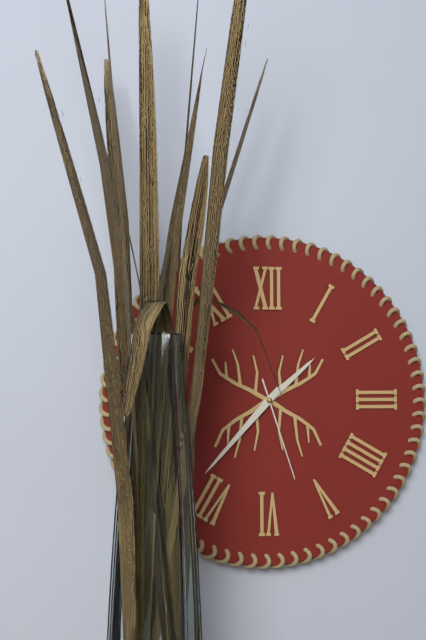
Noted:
1:37:27
